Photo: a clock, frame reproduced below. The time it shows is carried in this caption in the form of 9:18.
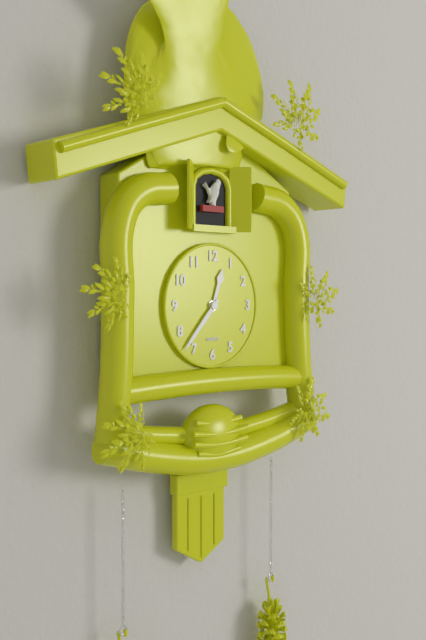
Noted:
12:37
